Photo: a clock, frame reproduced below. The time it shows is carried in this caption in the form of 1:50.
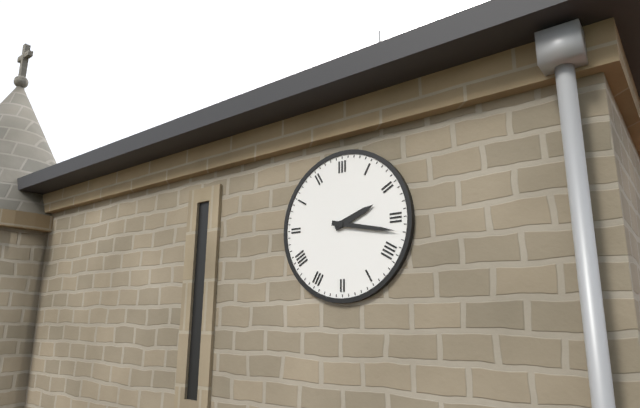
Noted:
2:17
